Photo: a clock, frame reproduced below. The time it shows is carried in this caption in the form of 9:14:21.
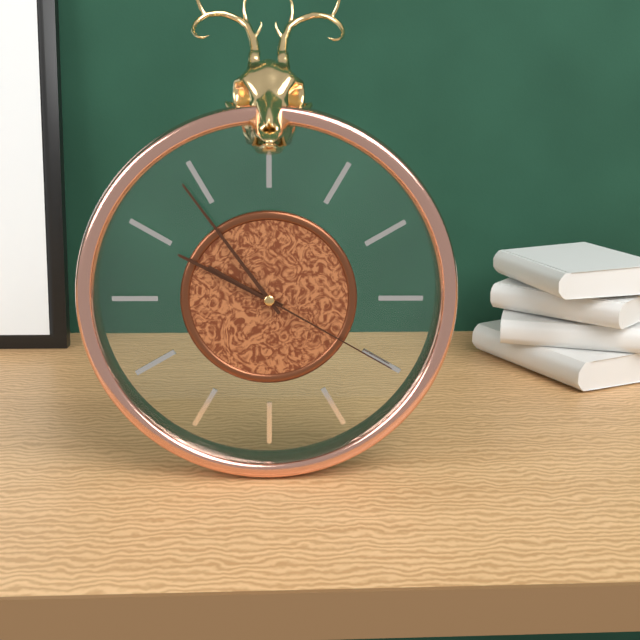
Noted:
9:54:20
